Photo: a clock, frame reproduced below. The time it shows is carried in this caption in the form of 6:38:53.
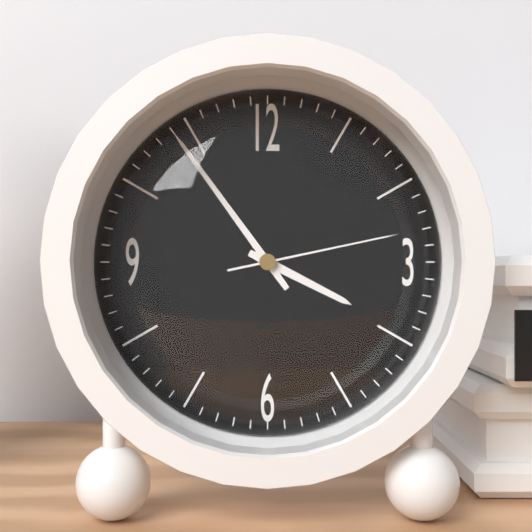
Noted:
3:54:13
